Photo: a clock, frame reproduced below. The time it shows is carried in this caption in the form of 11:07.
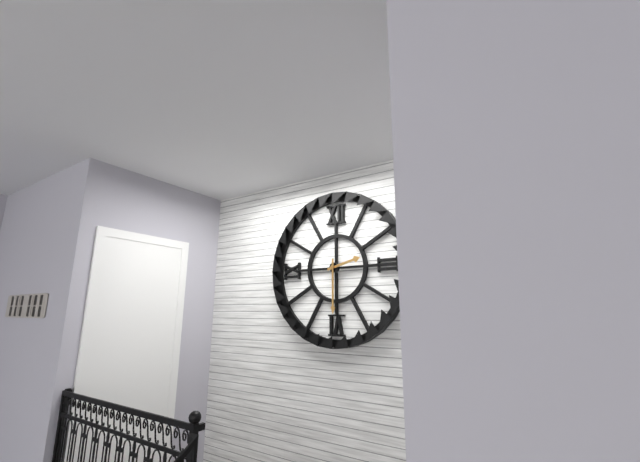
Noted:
2:30
